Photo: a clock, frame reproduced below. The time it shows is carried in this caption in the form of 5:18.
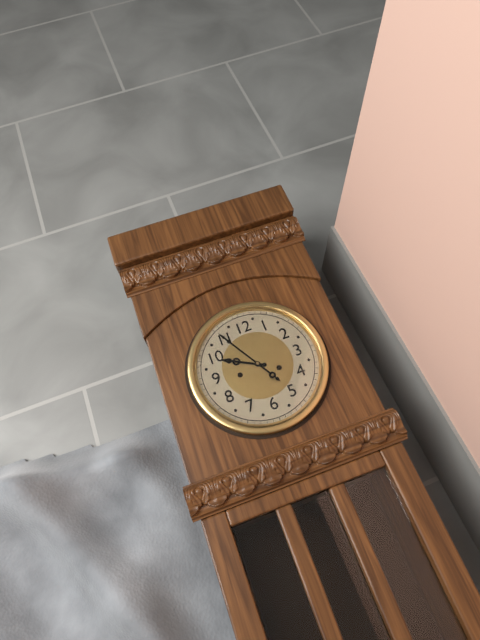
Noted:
9:55
